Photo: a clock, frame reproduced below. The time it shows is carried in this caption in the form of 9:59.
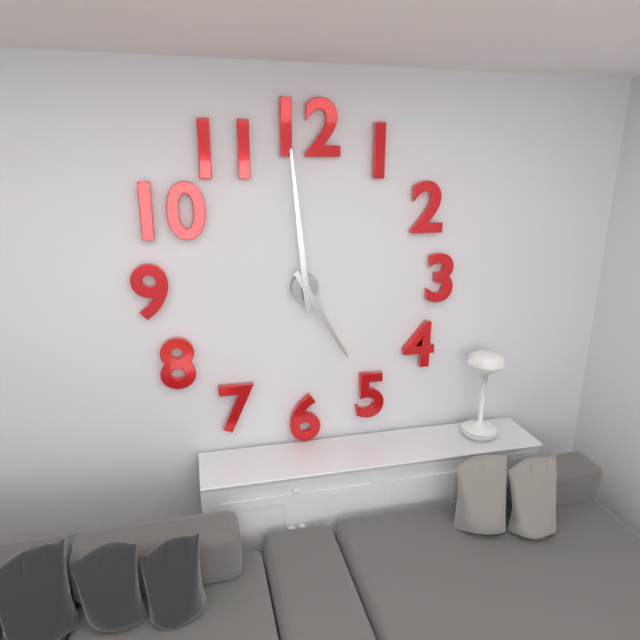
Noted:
4:59
